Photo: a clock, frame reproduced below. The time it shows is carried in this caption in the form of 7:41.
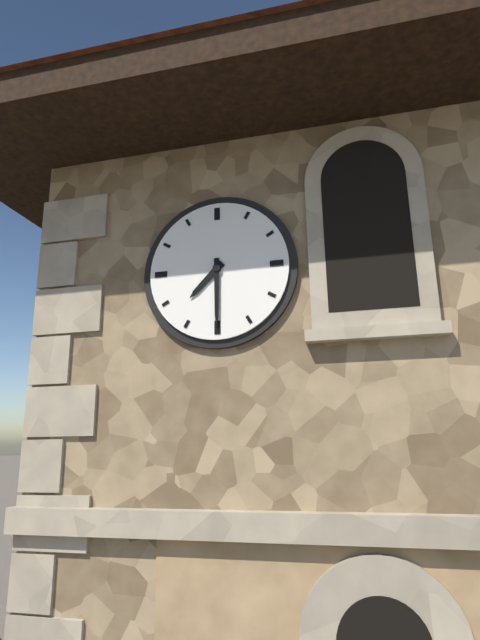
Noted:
7:30
